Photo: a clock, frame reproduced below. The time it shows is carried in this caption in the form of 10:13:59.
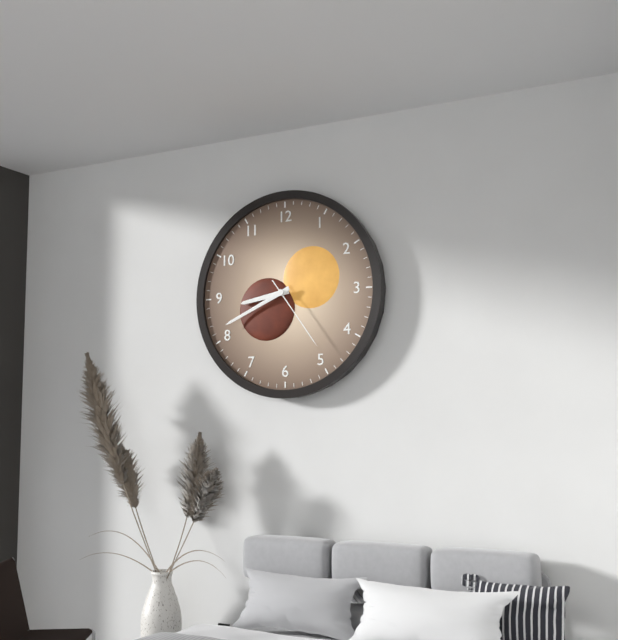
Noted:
8:41:24
